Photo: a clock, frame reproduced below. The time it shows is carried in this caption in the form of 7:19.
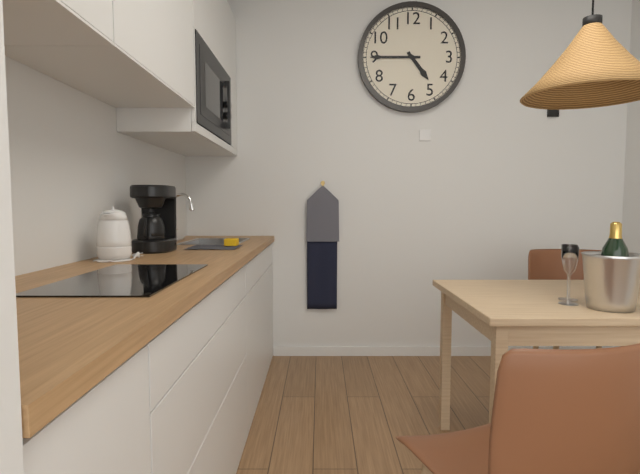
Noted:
4:45
